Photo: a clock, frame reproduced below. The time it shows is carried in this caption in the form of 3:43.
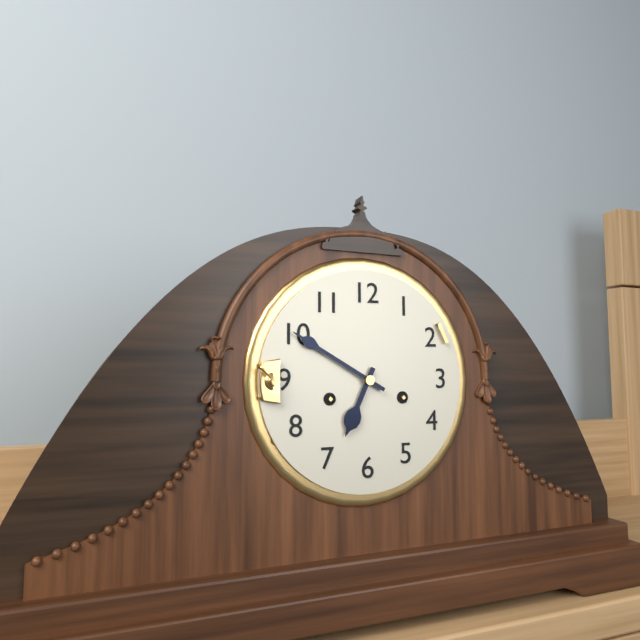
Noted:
6:50
